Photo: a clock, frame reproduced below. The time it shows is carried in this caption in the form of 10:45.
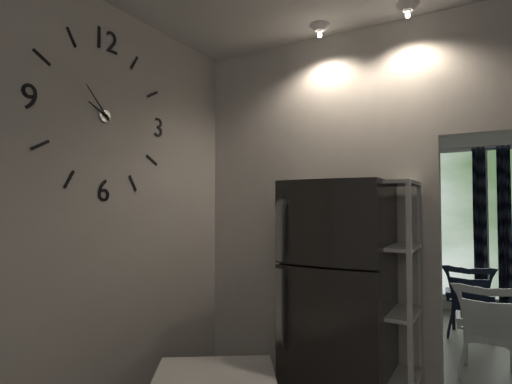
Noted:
9:53
